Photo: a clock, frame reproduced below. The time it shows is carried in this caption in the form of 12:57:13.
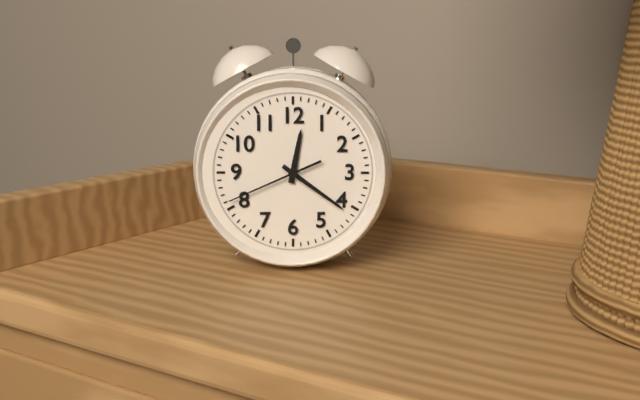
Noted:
12:21:41
